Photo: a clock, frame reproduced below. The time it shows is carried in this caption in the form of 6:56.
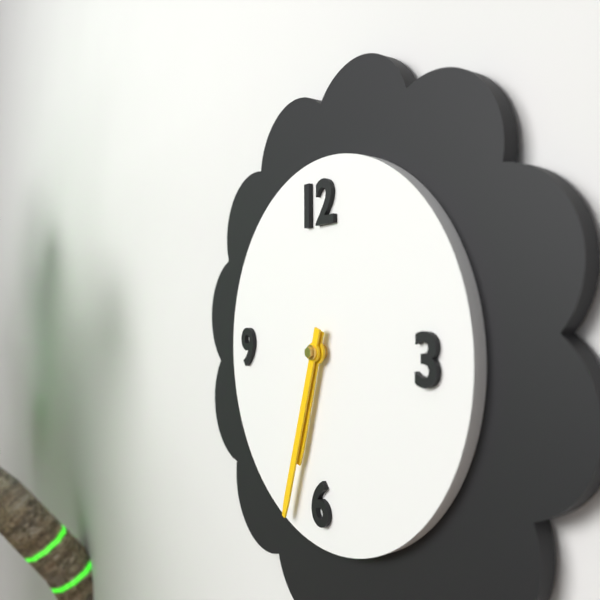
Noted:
6:33
